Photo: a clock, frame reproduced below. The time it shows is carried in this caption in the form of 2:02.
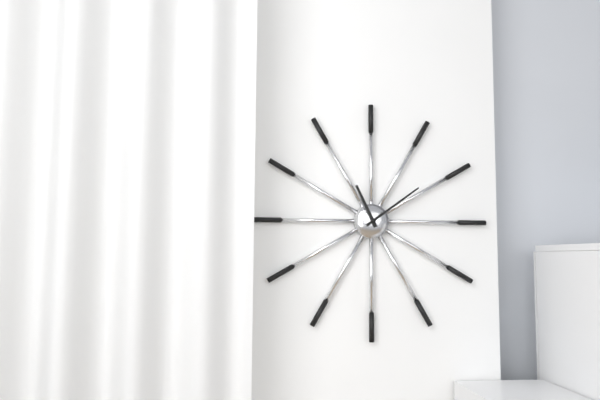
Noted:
11:09
